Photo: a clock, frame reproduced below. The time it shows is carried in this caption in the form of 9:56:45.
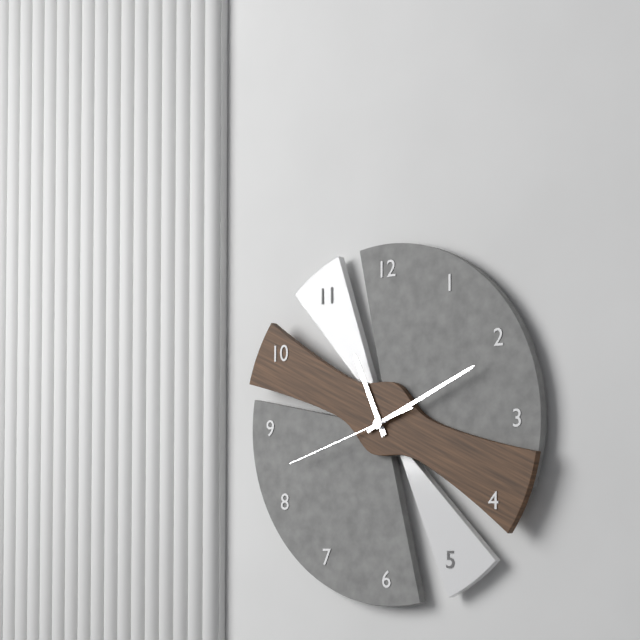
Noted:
11:11:42
